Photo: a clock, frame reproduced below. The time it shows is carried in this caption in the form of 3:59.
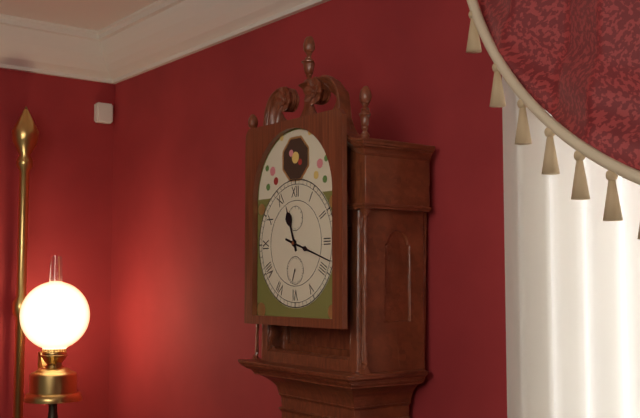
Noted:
11:18
